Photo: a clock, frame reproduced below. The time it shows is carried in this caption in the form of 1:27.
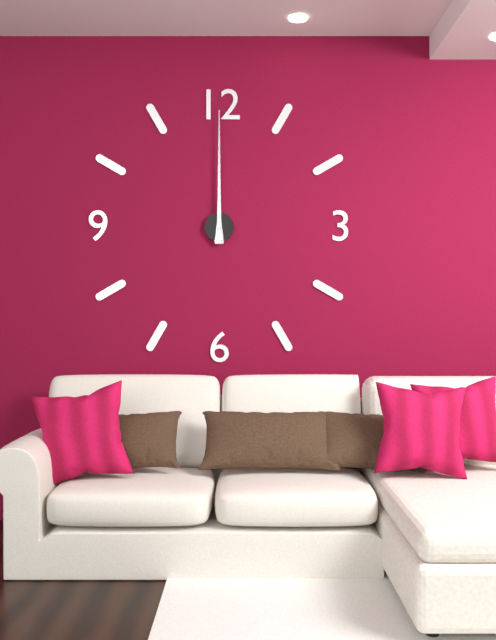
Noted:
12:00
